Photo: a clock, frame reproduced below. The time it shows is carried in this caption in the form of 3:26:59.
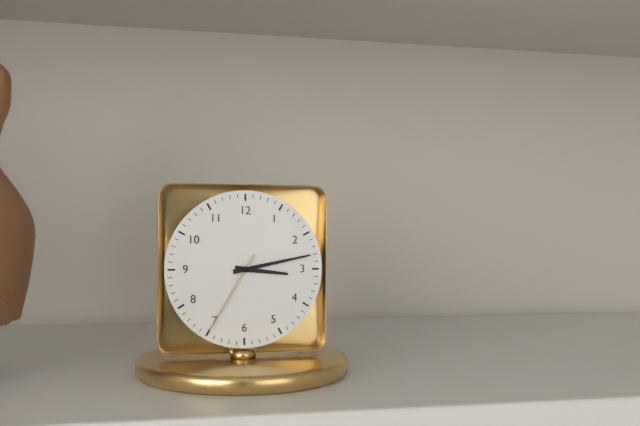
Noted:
3:13:35
